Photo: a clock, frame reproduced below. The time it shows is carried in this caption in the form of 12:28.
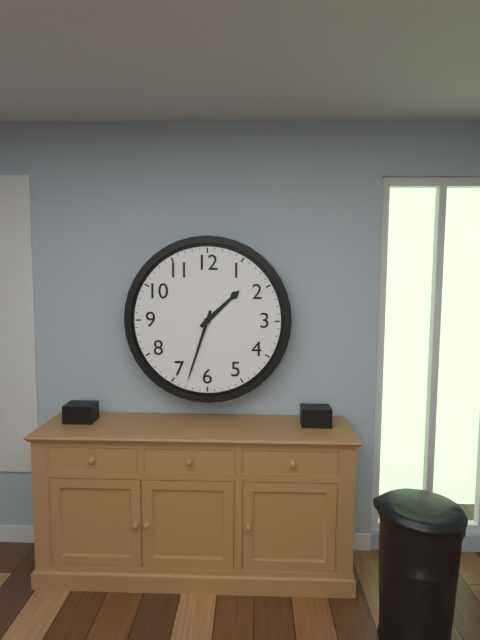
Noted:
1:33
